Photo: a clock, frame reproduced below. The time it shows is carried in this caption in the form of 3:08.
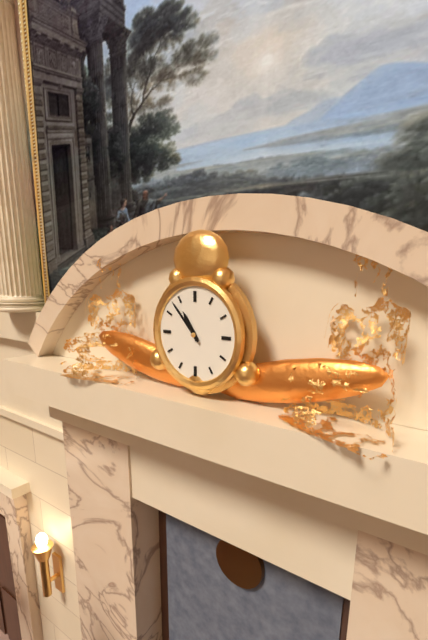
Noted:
10:53
